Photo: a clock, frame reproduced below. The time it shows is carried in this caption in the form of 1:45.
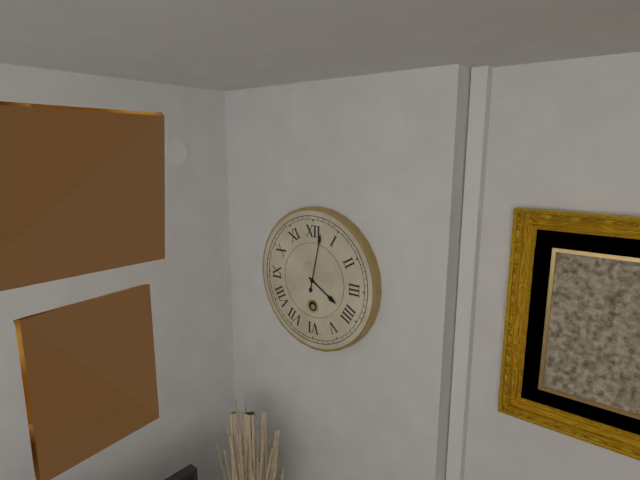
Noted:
4:02
